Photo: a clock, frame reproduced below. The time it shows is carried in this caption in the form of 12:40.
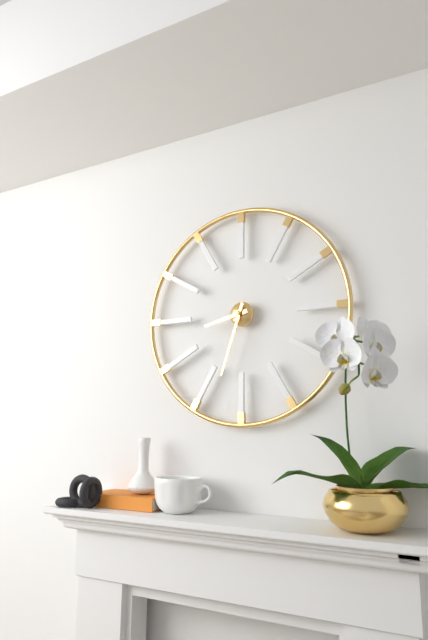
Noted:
8:33
